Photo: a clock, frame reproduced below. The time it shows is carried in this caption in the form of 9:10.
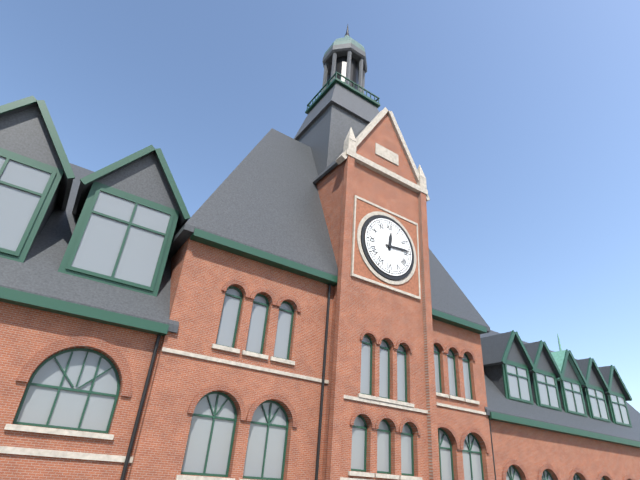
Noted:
12:14
